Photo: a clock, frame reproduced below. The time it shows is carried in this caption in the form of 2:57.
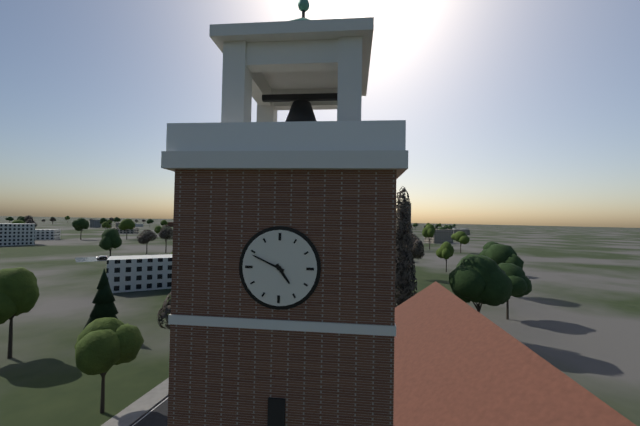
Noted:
4:49
